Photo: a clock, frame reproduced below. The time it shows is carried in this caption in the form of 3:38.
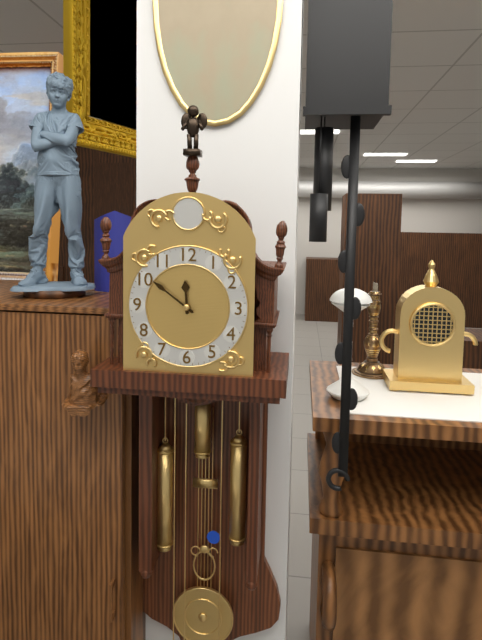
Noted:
11:51
